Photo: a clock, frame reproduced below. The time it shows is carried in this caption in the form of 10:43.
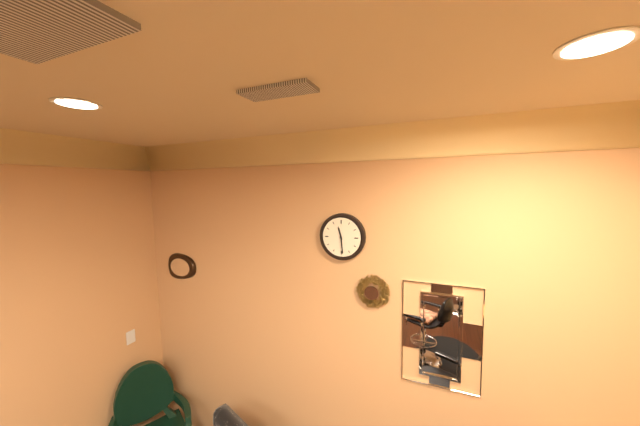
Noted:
11:29
